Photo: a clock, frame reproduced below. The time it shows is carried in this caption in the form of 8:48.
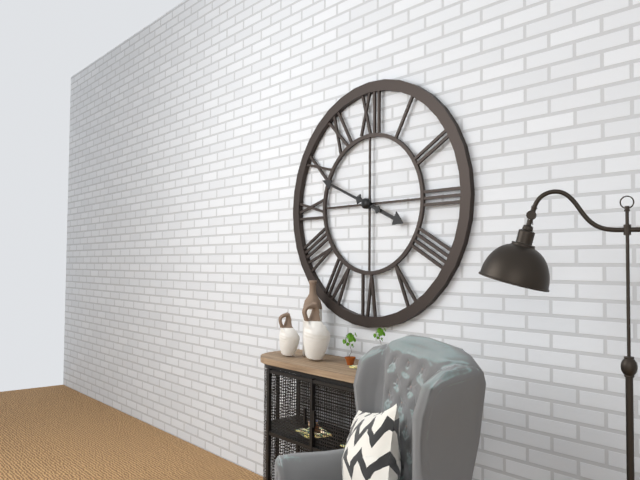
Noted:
3:49
